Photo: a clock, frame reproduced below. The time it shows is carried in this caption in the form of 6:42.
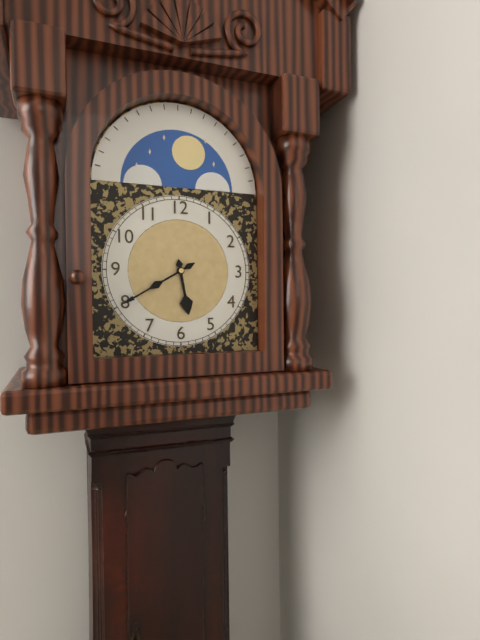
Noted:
5:40
